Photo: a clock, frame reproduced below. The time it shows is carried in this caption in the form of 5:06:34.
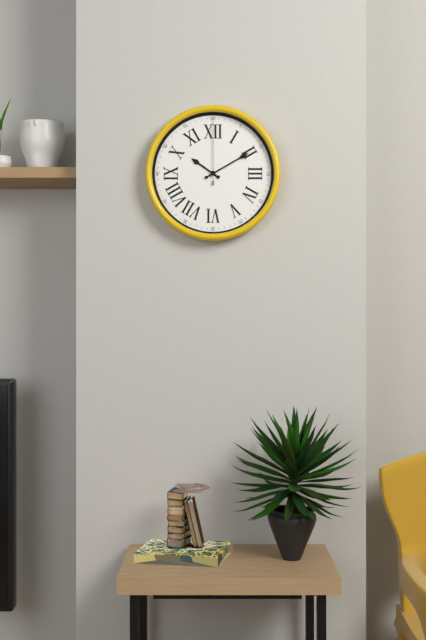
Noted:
10:10:00
